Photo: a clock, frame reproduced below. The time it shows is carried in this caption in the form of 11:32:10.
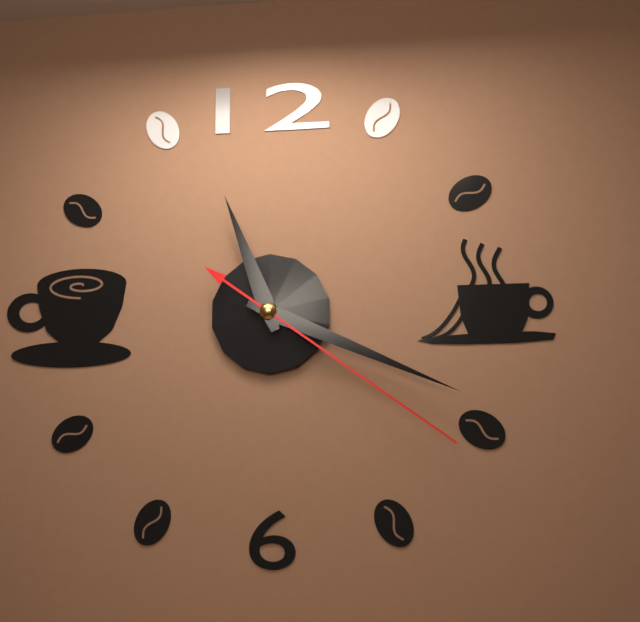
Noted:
11:19:21
